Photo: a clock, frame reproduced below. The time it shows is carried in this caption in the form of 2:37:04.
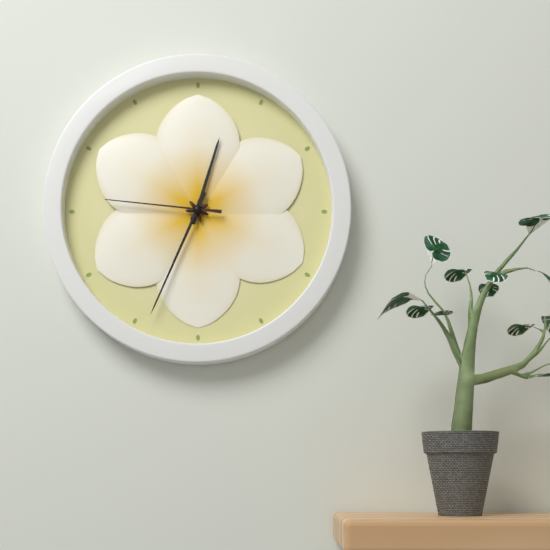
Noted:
12:34:46
